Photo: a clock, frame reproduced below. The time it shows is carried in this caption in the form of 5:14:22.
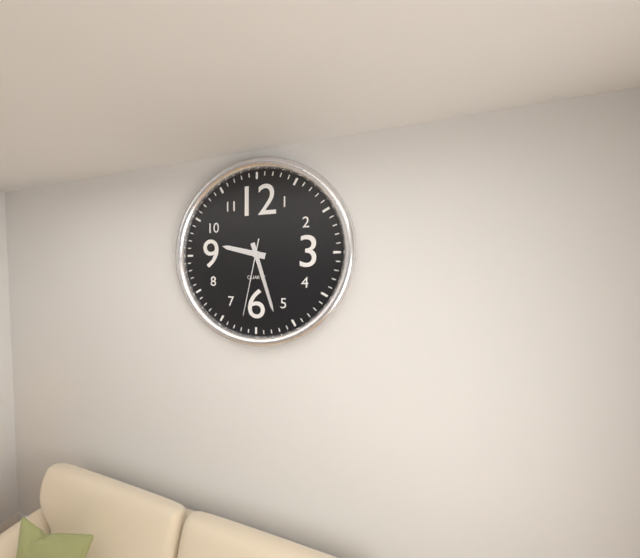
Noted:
9:27:32
